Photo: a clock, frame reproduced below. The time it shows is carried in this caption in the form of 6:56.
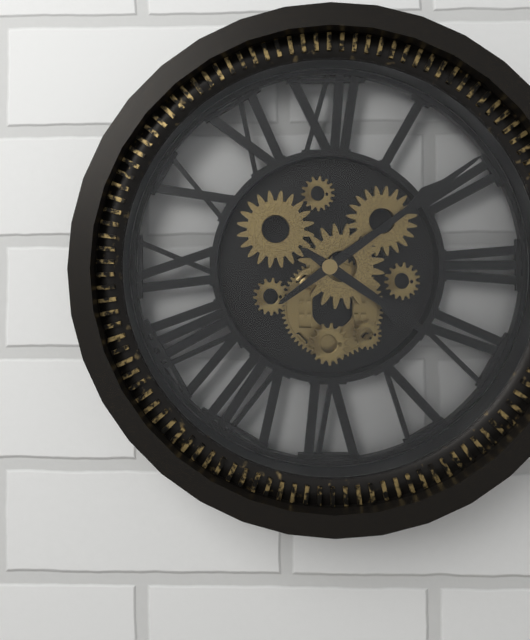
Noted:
4:09
